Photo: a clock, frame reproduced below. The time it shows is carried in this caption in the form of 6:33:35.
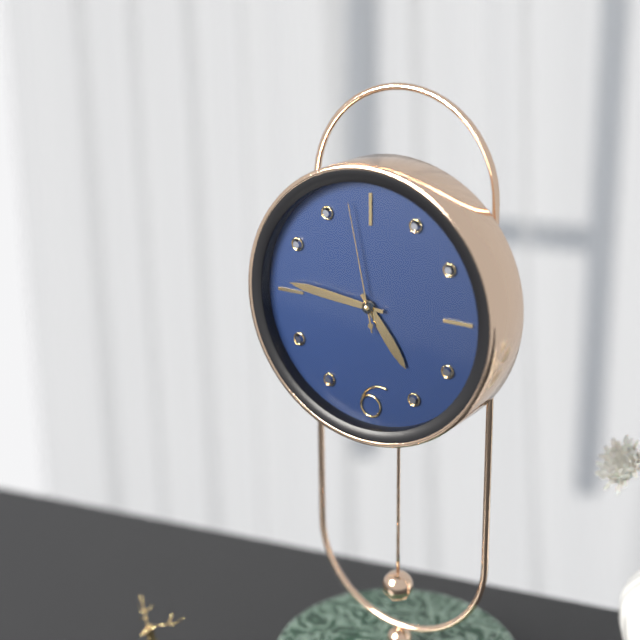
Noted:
4:46:58
